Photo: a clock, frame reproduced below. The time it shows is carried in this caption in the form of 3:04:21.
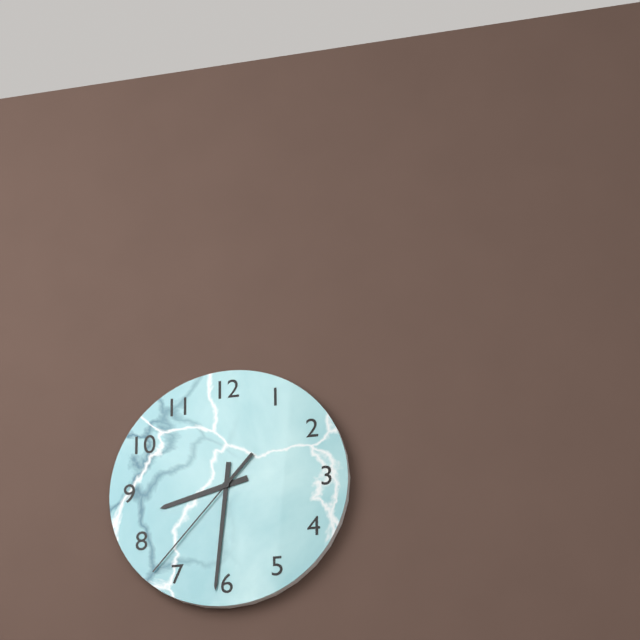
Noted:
8:31:37
